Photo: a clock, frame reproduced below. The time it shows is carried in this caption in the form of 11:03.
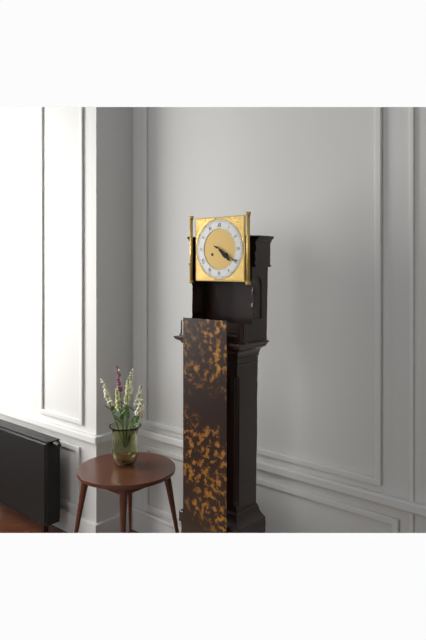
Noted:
4:20
